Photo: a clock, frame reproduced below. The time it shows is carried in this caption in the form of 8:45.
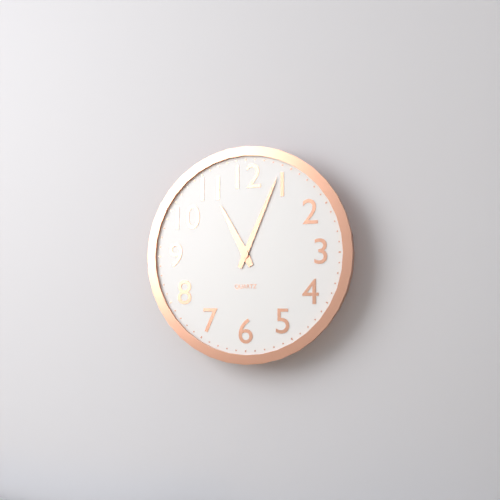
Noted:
11:04
